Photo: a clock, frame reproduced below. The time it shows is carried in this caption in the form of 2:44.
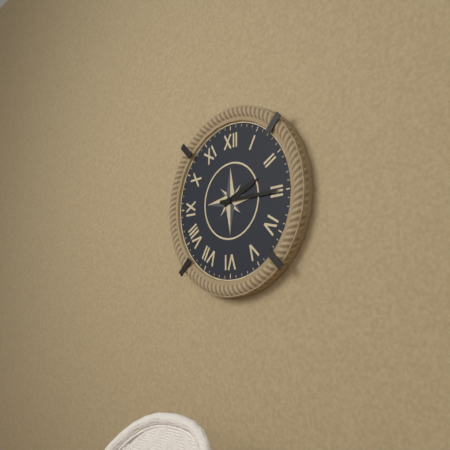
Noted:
2:15
